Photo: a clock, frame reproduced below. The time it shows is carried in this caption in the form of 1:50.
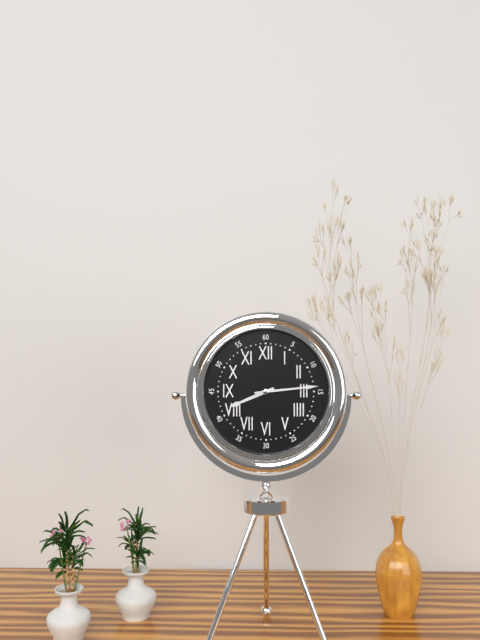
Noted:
8:14
